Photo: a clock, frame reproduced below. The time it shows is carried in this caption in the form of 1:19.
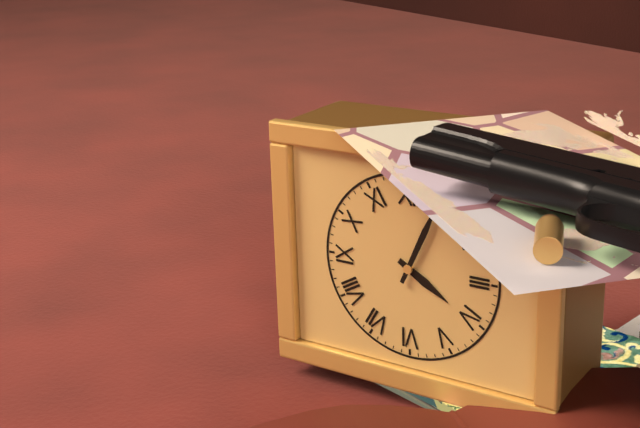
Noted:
4:04
